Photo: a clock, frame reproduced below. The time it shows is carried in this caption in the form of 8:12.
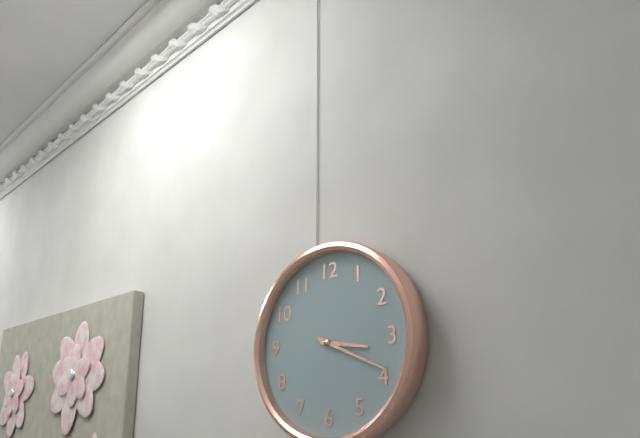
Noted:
3:19
